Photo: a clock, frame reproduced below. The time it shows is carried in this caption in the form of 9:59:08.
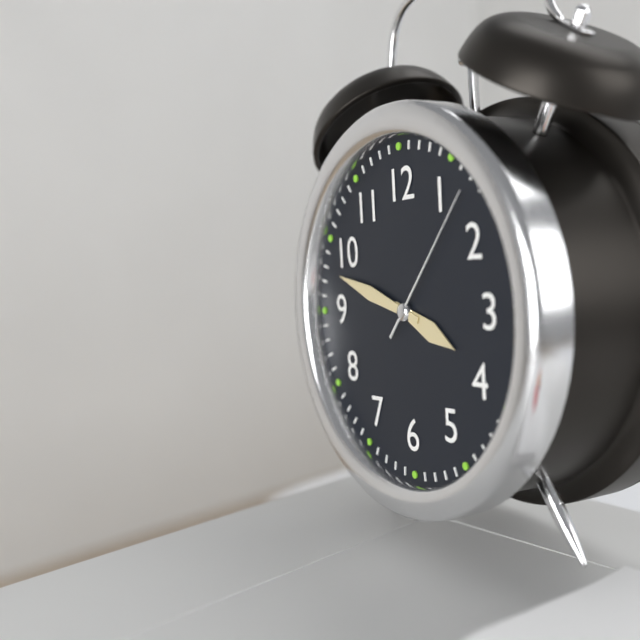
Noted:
3:48:07
